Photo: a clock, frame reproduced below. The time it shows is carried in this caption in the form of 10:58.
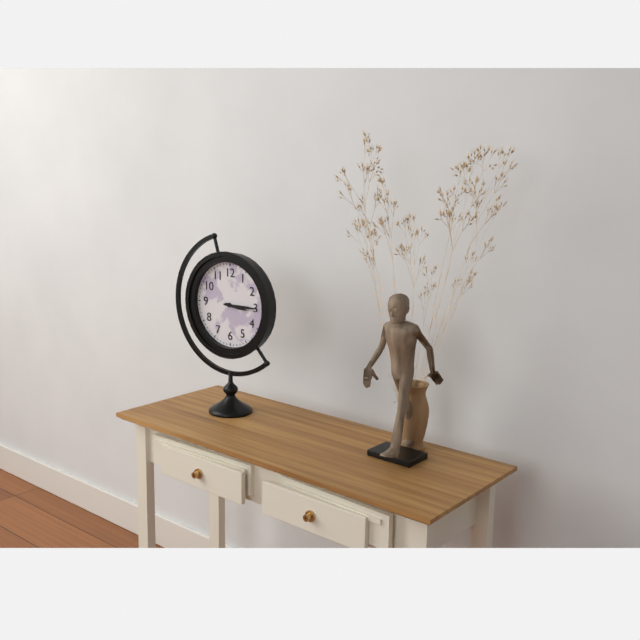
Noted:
3:15
